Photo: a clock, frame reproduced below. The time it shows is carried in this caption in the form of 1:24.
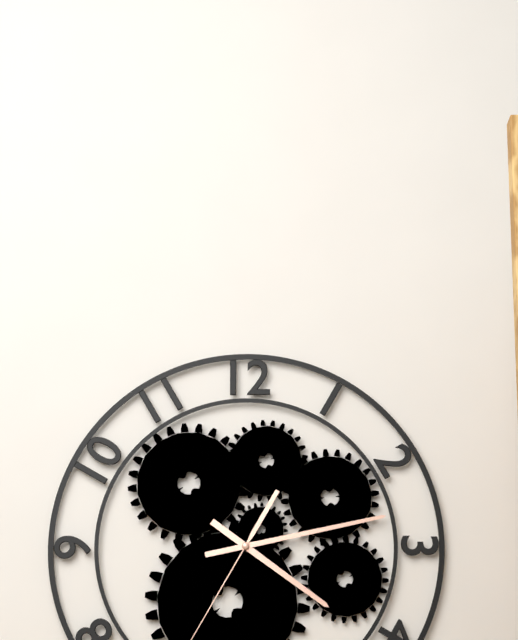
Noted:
4:13
